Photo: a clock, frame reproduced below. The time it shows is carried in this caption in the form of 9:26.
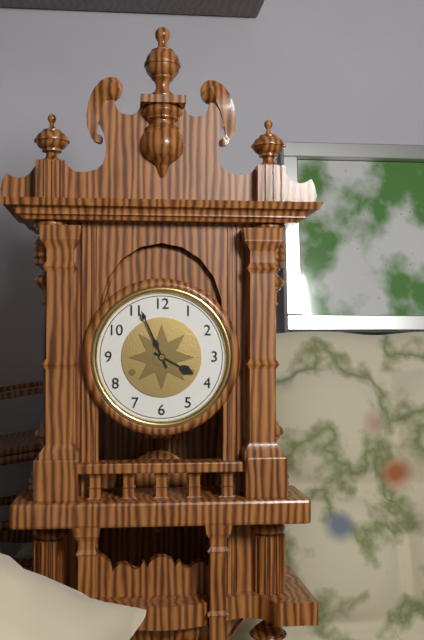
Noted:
3:56
